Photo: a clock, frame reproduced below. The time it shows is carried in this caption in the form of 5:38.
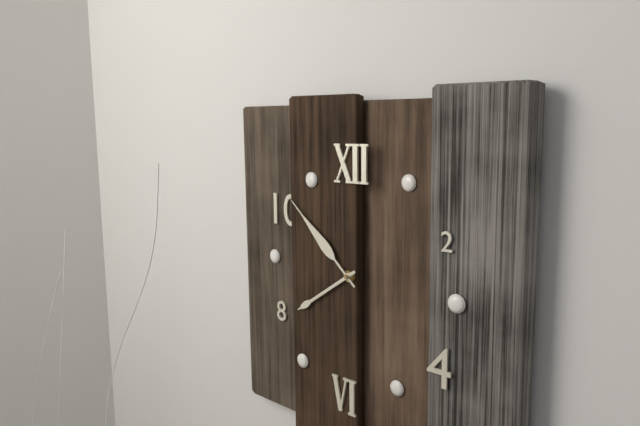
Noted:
7:52
